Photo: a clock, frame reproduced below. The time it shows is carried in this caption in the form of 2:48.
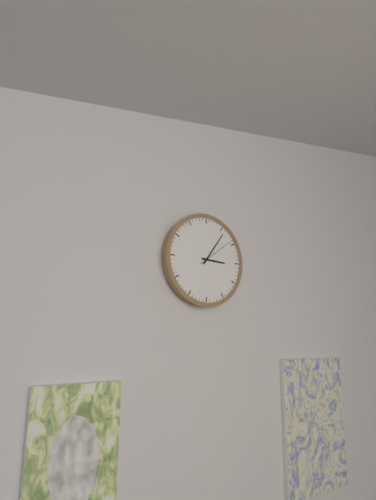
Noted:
3:06
